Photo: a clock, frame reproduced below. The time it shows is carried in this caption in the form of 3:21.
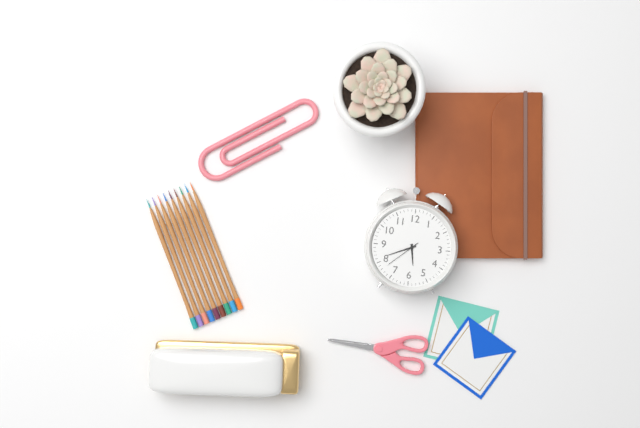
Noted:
5:41
